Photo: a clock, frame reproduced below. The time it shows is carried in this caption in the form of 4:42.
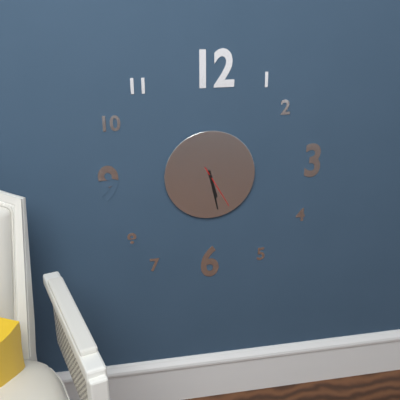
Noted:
5:28
